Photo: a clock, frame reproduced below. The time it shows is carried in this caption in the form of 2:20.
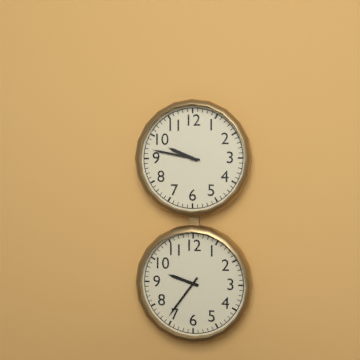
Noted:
9:47
